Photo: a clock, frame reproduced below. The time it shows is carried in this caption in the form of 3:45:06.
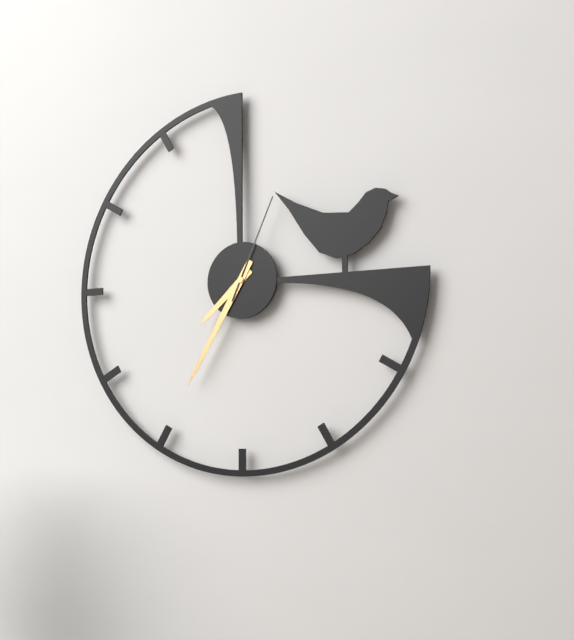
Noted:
7:35:04
